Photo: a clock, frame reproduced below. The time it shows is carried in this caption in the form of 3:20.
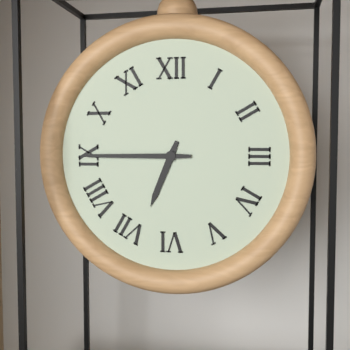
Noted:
6:45
